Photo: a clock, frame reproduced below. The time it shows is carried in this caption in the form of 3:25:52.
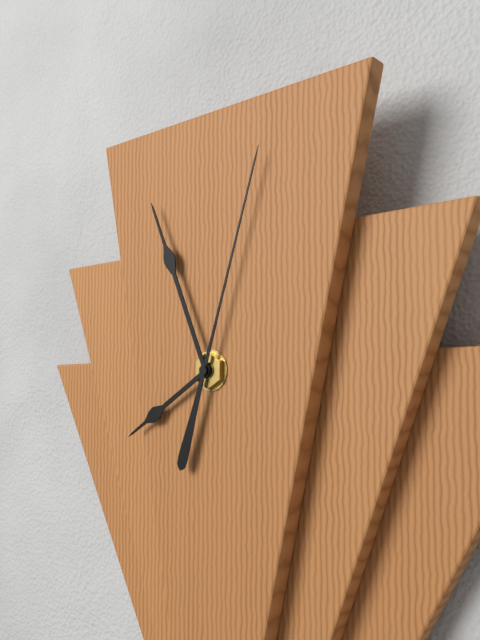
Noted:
7:56:03
